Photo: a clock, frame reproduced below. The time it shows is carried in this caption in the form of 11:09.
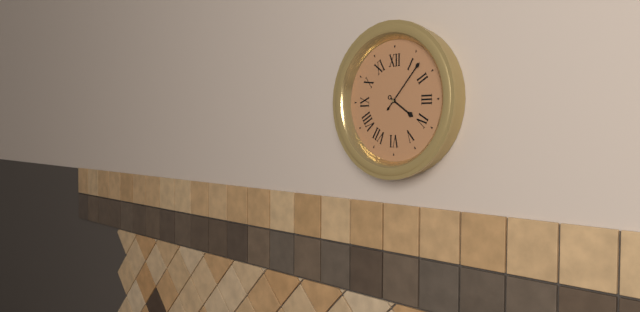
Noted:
4:07
